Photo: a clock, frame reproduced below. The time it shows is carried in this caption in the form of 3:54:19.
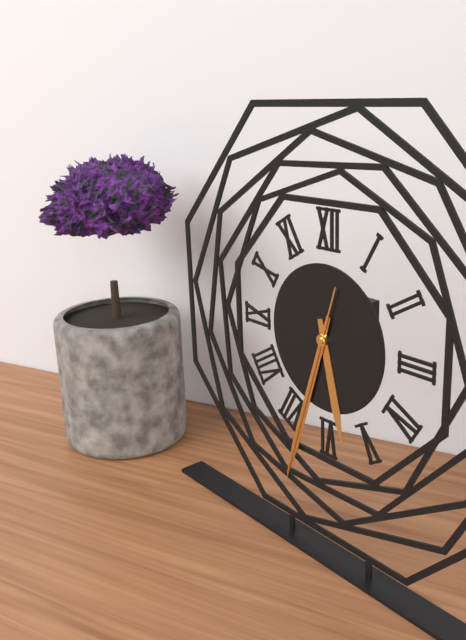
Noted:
5:33:33
